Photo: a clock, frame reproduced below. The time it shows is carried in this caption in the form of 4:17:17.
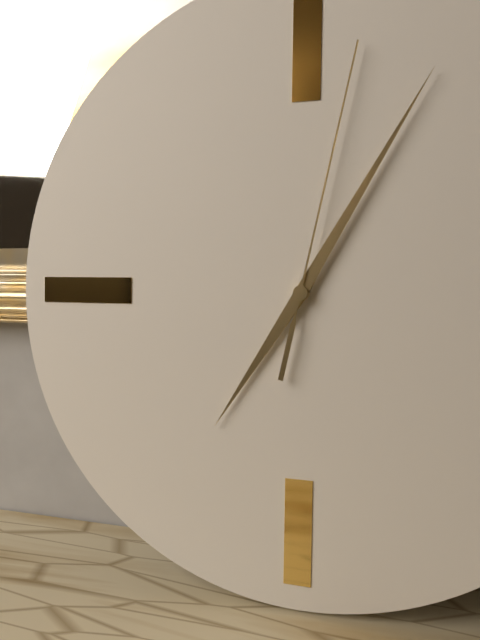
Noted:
7:05:02
